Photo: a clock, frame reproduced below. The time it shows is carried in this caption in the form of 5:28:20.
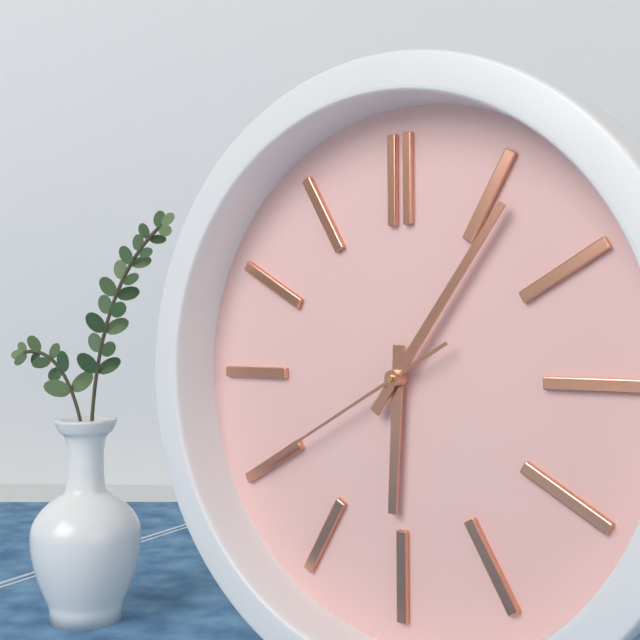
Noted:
6:06:40
